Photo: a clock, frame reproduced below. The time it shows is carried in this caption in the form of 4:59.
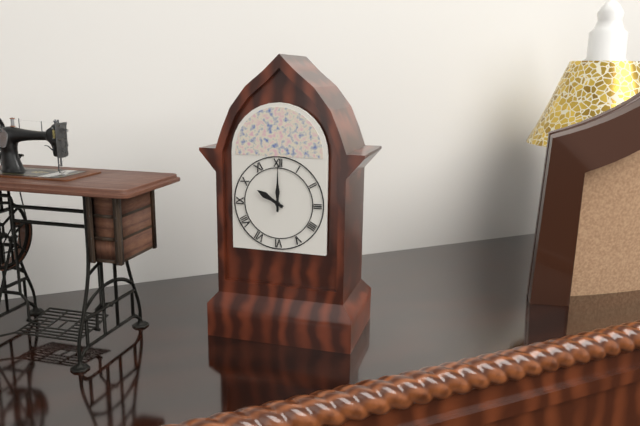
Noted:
10:00
